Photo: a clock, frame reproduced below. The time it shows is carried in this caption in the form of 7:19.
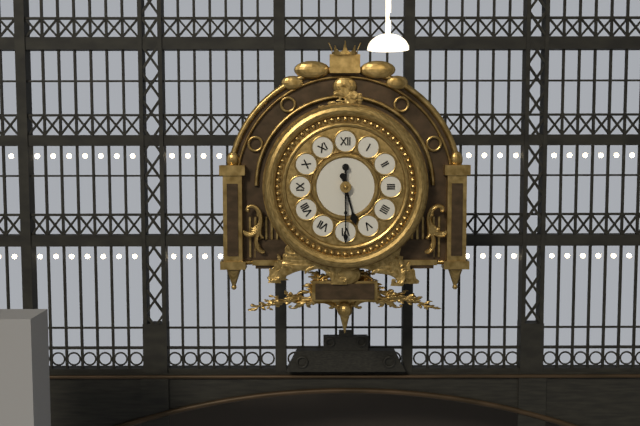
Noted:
5:30
